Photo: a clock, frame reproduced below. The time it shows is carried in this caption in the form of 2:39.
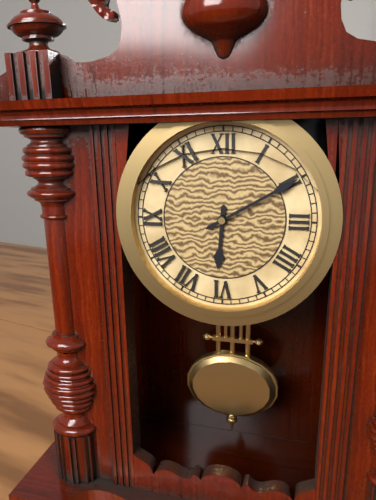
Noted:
6:10
